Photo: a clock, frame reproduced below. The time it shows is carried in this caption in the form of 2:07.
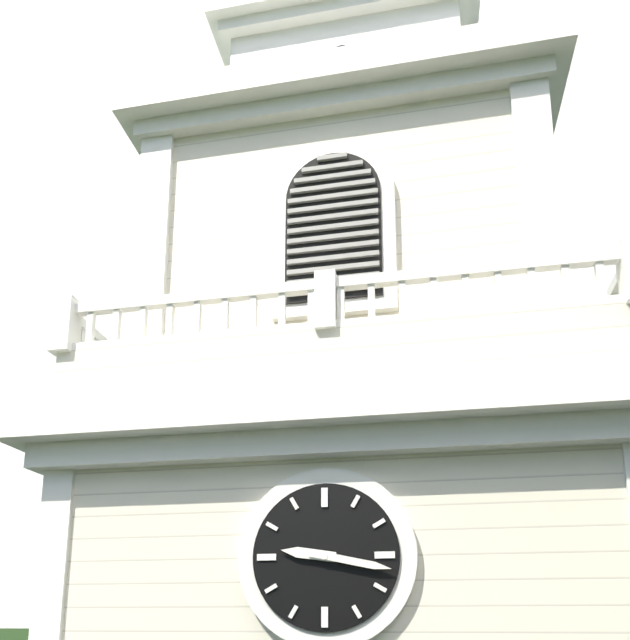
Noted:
9:17
